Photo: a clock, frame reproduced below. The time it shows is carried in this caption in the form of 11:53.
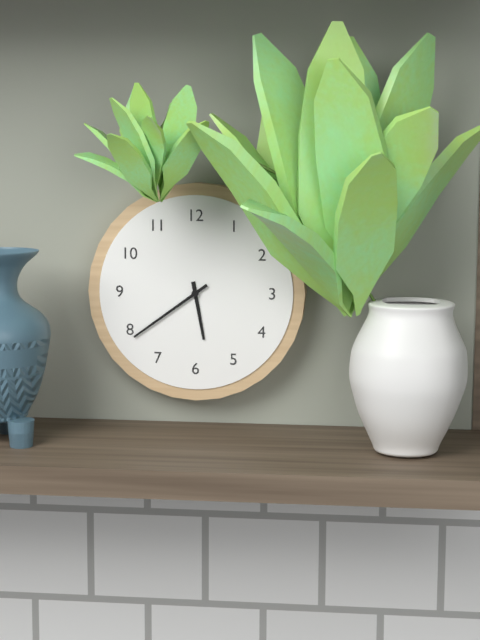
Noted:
5:39
